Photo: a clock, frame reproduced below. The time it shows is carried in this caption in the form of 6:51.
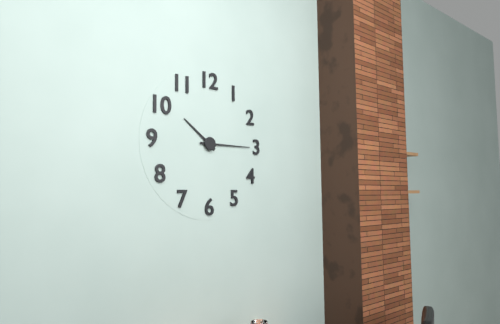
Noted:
10:15
